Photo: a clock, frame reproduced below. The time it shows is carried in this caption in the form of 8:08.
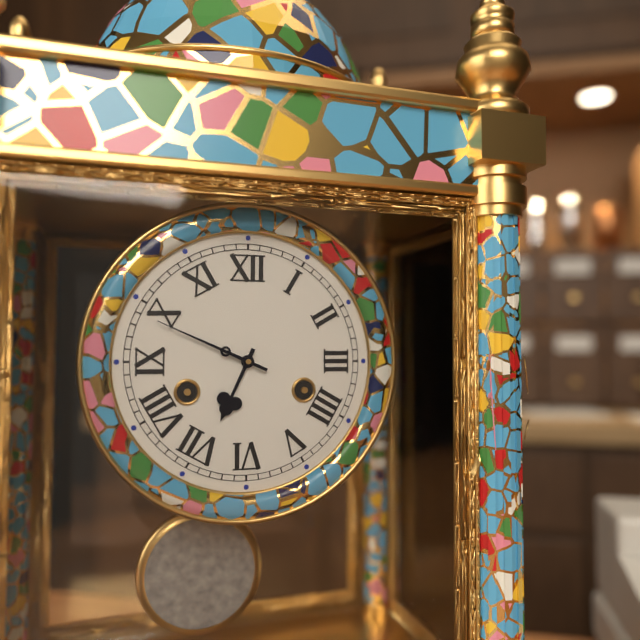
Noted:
6:49
